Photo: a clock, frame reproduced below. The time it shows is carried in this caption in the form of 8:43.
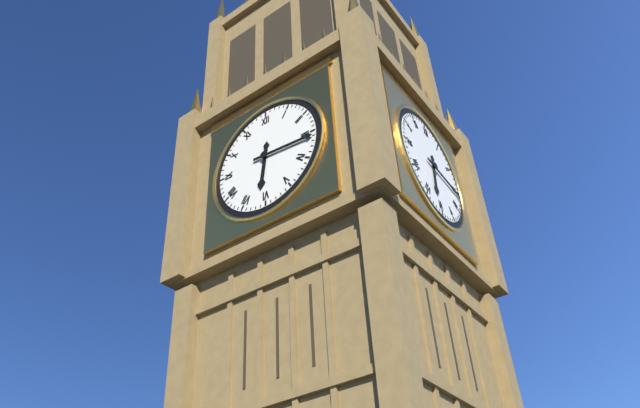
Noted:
6:16
